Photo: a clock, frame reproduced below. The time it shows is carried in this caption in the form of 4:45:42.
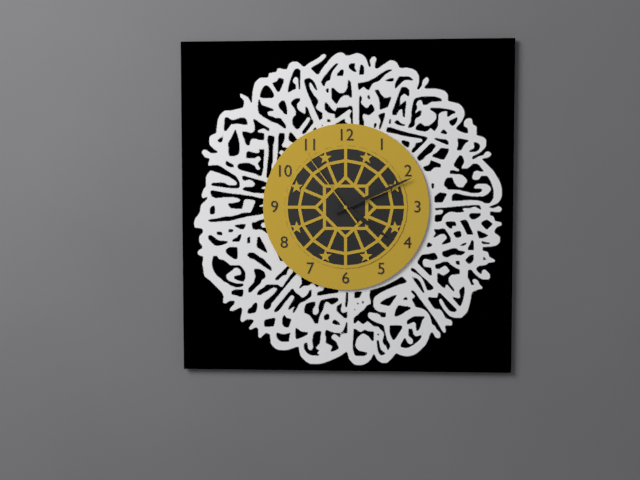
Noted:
4:11:54
